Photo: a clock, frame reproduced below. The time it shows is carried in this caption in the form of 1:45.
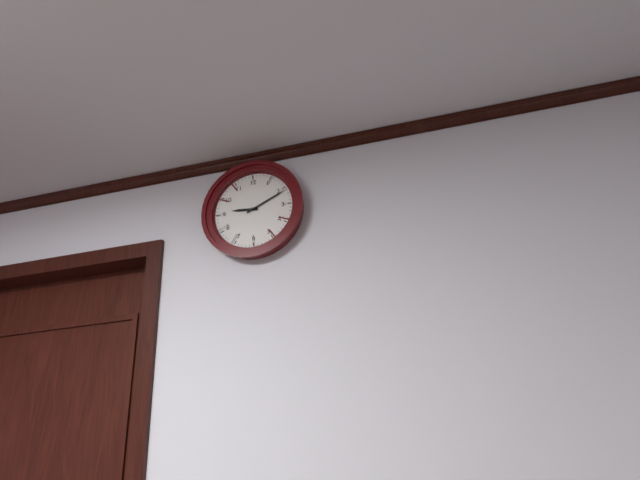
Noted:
9:11
